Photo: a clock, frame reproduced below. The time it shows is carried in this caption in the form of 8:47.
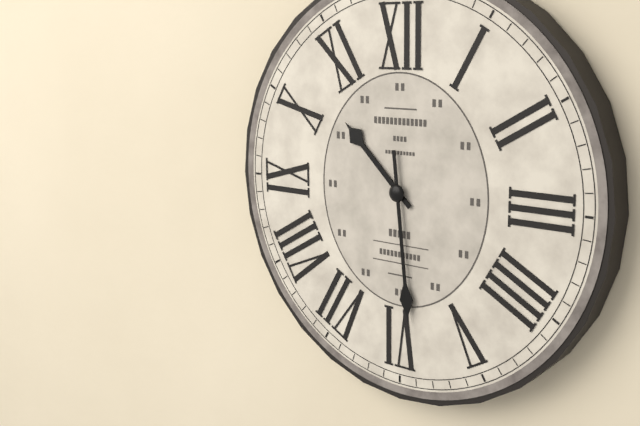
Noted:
10:29
